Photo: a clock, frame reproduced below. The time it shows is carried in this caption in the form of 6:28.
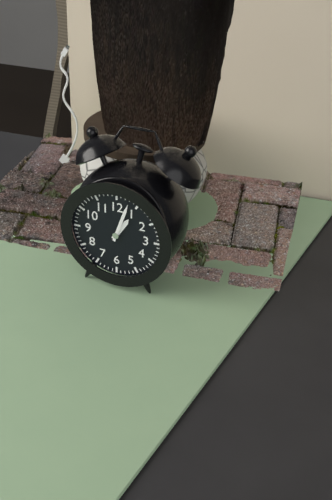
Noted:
1:03
